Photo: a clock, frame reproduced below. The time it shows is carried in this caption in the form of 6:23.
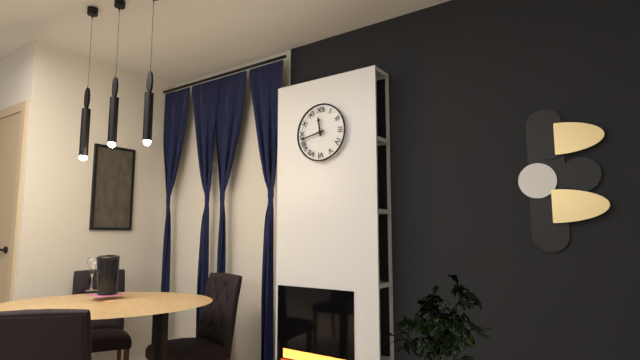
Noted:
11:43
